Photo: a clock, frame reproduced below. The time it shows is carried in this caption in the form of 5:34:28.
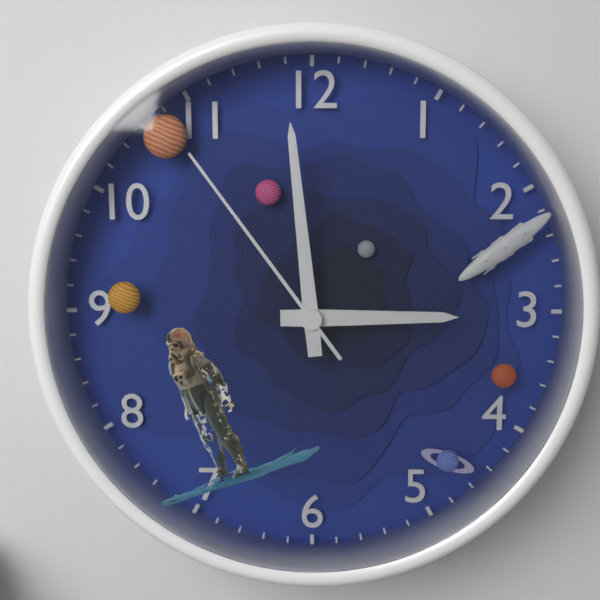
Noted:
2:59:54
